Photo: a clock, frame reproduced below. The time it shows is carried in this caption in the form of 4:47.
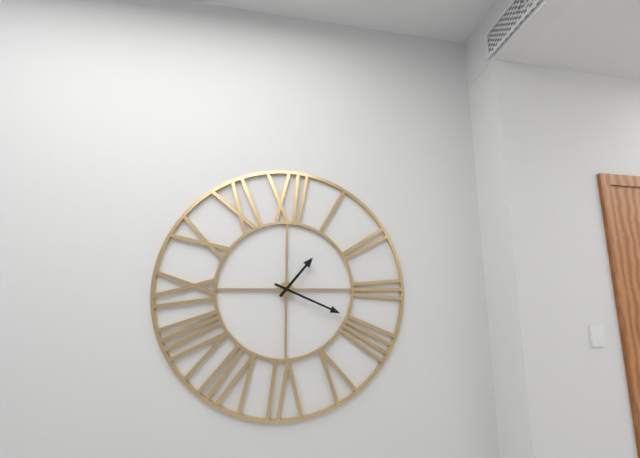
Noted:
1:19
